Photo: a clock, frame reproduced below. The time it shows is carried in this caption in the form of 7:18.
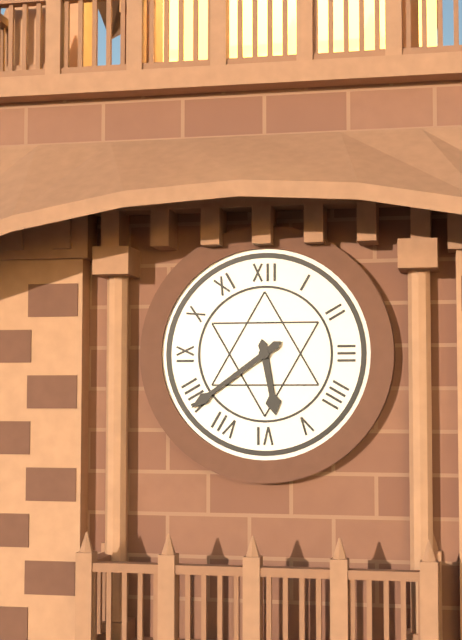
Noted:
5:39
